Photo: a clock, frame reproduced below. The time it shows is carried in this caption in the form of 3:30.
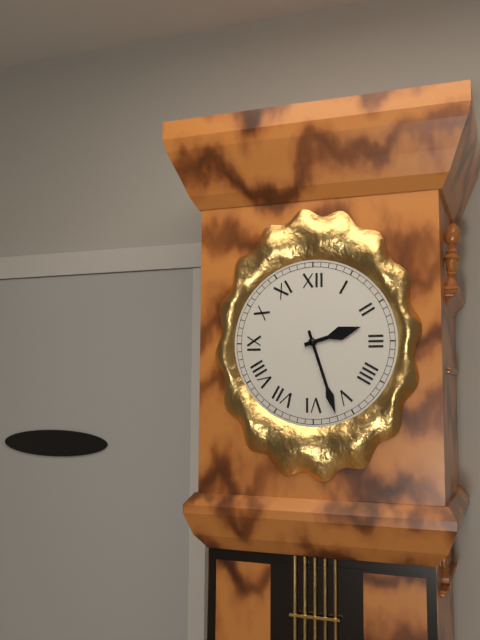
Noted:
2:27
